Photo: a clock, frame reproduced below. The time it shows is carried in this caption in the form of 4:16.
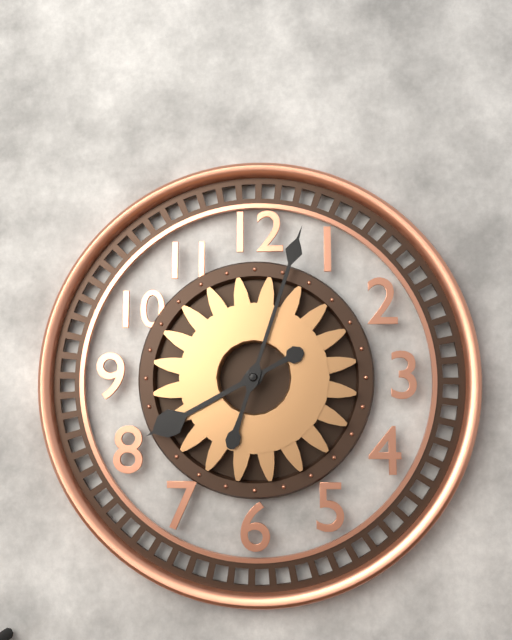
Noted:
8:03
